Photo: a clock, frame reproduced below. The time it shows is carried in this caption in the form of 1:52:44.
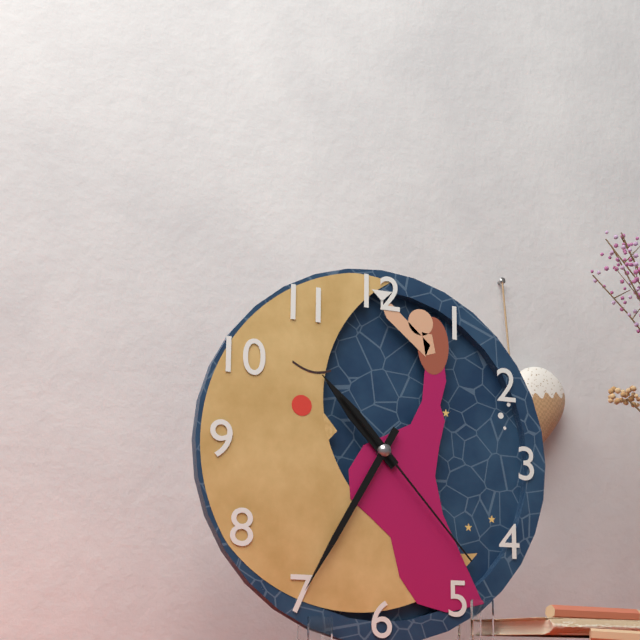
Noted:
10:35:23
